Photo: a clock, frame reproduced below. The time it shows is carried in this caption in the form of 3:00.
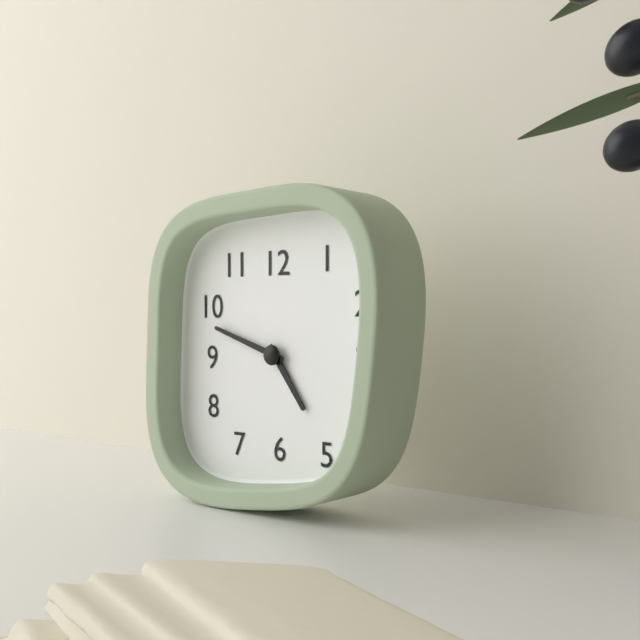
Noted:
4:48
